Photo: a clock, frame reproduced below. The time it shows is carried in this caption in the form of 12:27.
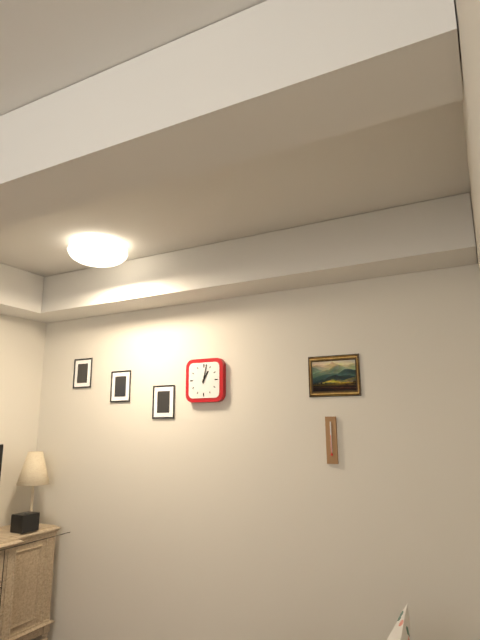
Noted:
1:02
